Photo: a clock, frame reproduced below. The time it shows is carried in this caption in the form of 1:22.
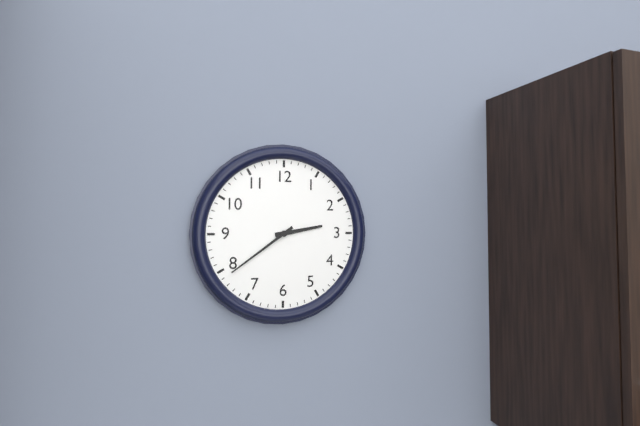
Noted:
2:39
